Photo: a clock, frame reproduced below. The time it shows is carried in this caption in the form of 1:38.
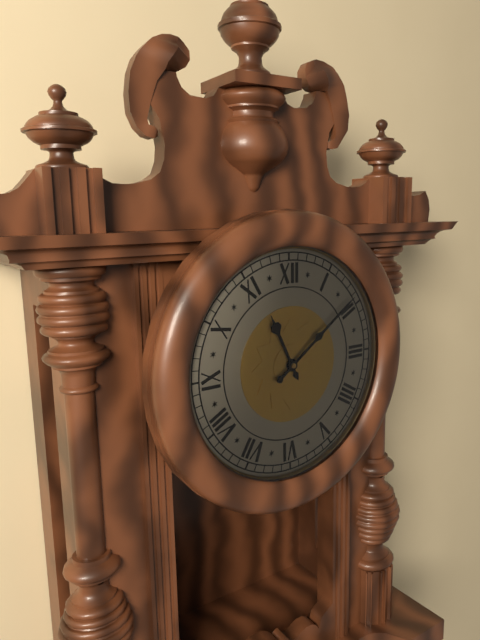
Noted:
11:09
